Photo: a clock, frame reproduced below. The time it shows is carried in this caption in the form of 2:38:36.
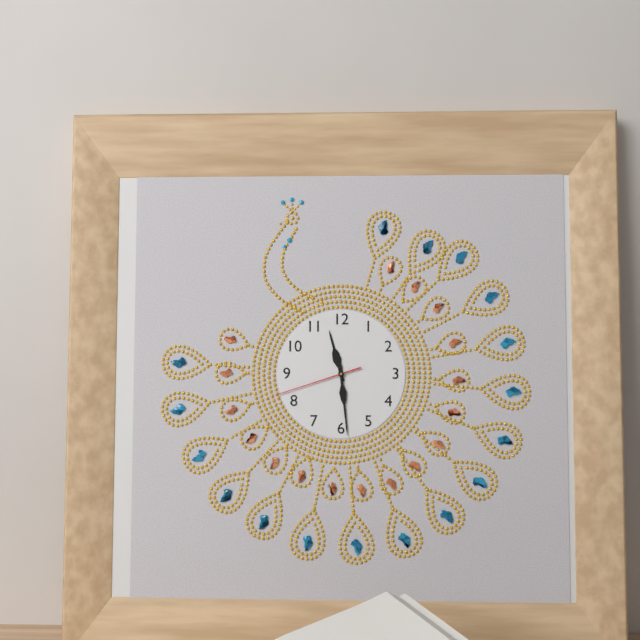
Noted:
11:29:42
